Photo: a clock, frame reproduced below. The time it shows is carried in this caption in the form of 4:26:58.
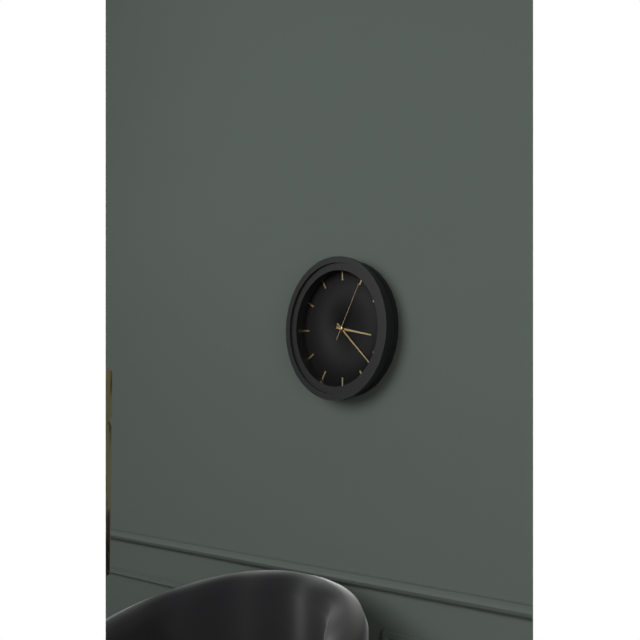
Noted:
3:22:05
